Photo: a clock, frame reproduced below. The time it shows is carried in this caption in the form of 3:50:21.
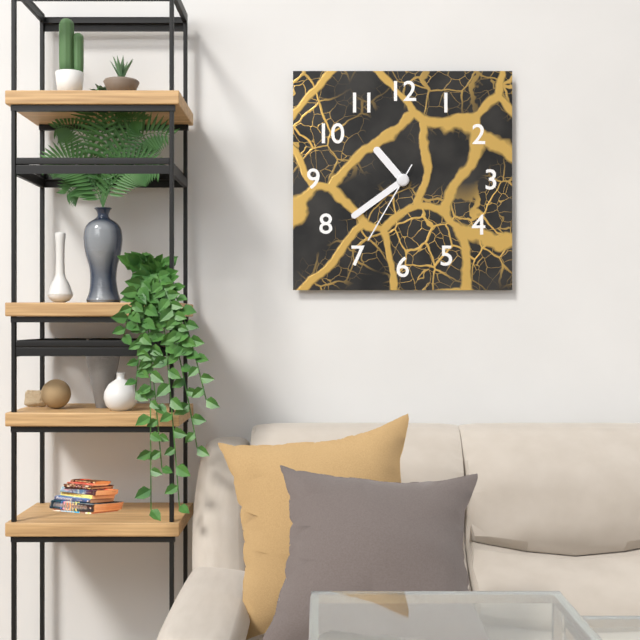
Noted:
10:39:35
